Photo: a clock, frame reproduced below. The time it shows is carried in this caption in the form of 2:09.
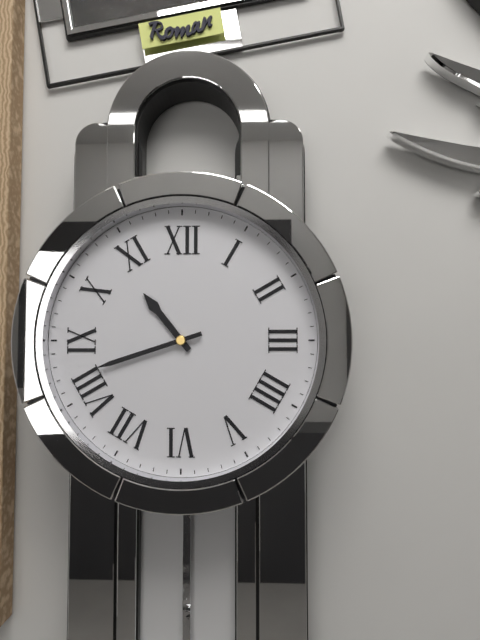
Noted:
10:42
